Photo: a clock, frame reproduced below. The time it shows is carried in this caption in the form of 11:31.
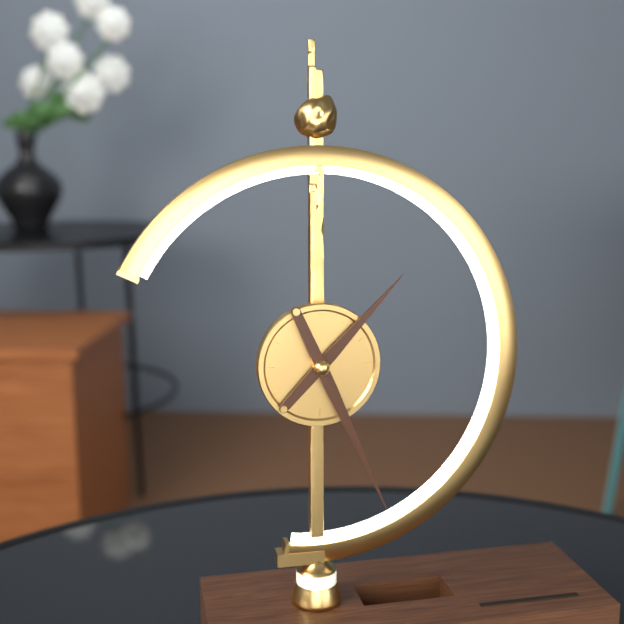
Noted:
1:26
